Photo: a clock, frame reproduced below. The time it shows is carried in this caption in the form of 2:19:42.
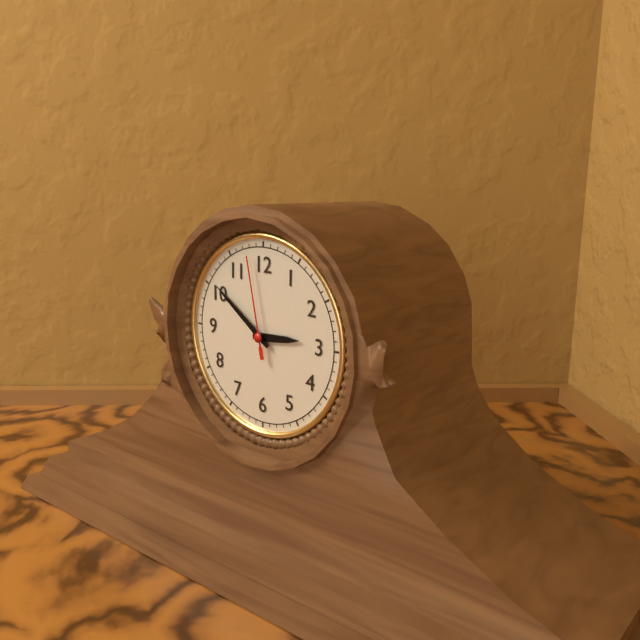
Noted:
2:51:58
